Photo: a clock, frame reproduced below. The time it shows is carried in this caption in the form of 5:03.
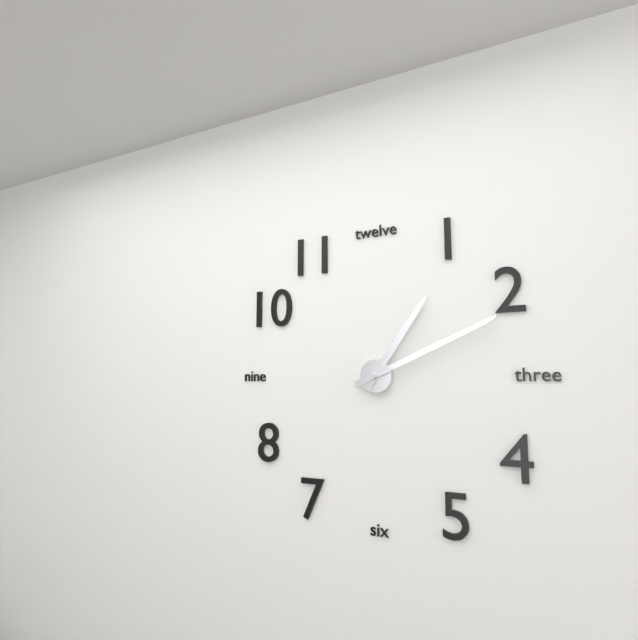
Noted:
1:11
